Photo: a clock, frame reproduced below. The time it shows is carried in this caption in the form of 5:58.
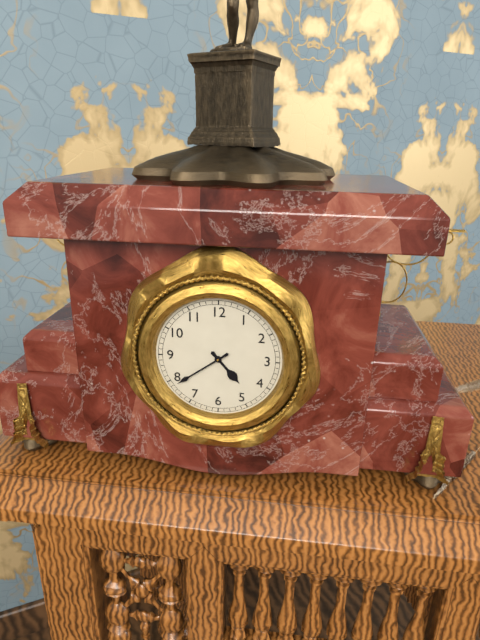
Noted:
4:39
